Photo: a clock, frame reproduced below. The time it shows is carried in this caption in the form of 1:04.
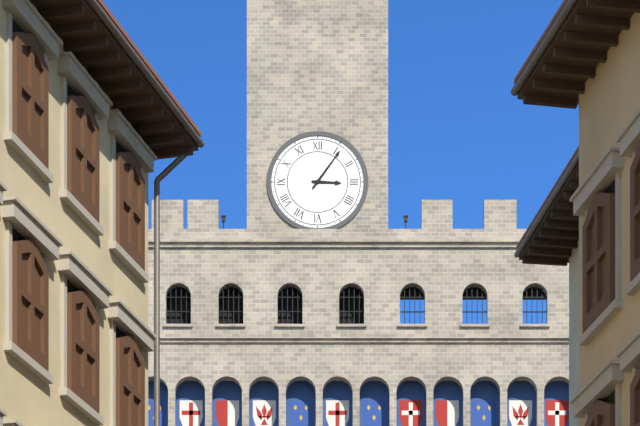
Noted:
3:06
